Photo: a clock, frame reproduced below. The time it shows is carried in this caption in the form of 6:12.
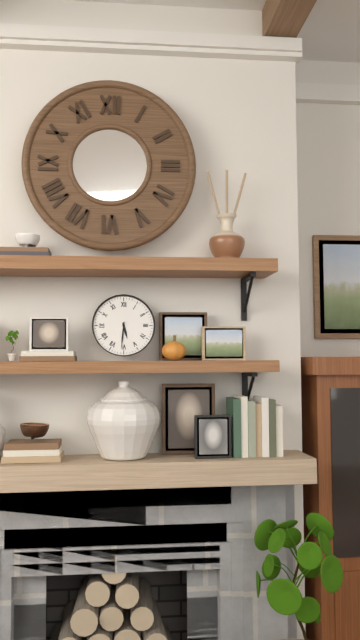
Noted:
5:31
